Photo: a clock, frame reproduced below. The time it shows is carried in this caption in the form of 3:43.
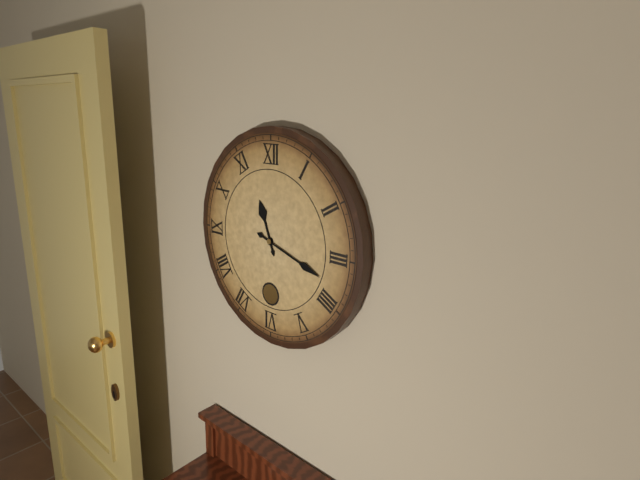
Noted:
11:18
